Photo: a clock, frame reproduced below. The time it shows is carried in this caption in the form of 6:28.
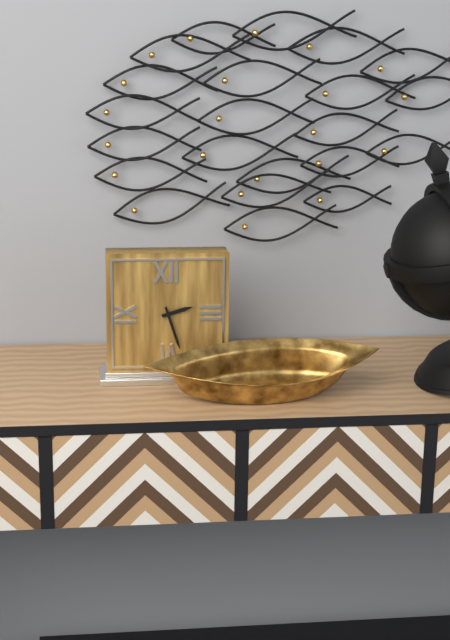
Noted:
2:27
